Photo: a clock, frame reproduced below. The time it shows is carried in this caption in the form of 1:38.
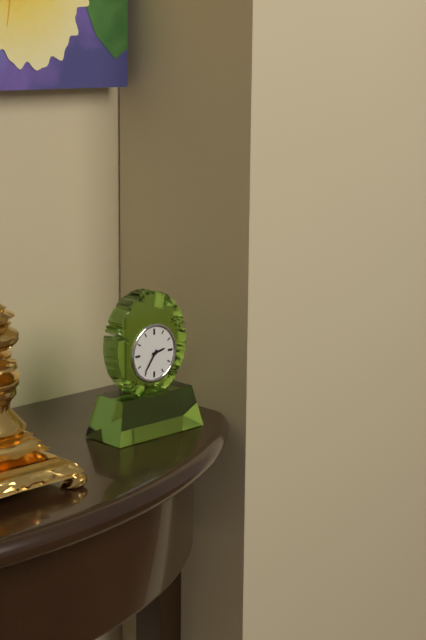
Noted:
2:36
